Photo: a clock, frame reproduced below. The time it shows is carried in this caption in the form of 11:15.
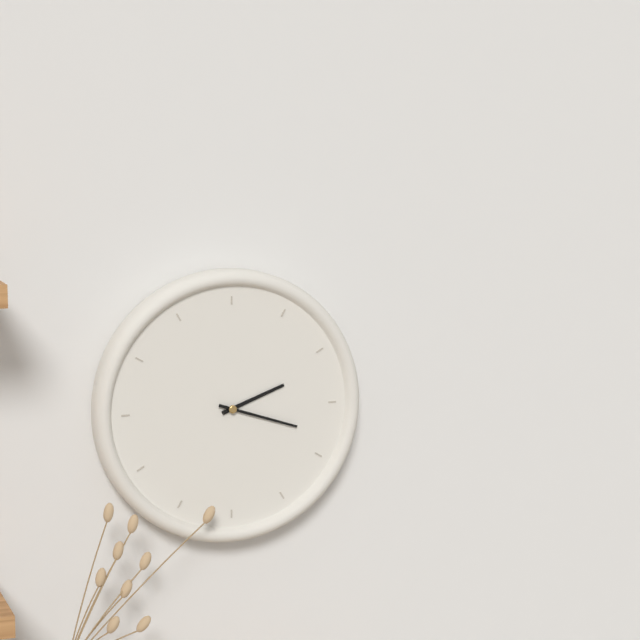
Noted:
2:18
